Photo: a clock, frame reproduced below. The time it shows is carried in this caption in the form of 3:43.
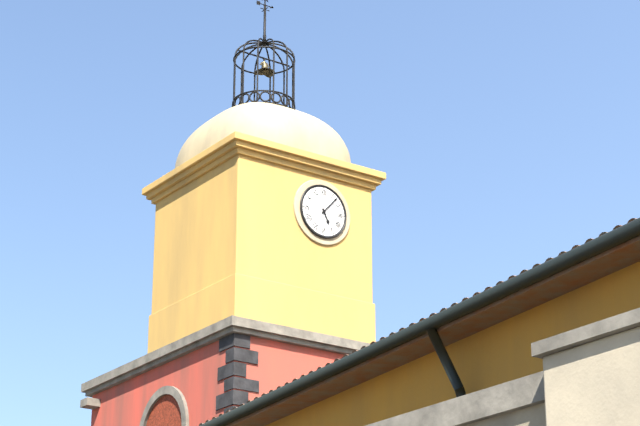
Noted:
5:07
